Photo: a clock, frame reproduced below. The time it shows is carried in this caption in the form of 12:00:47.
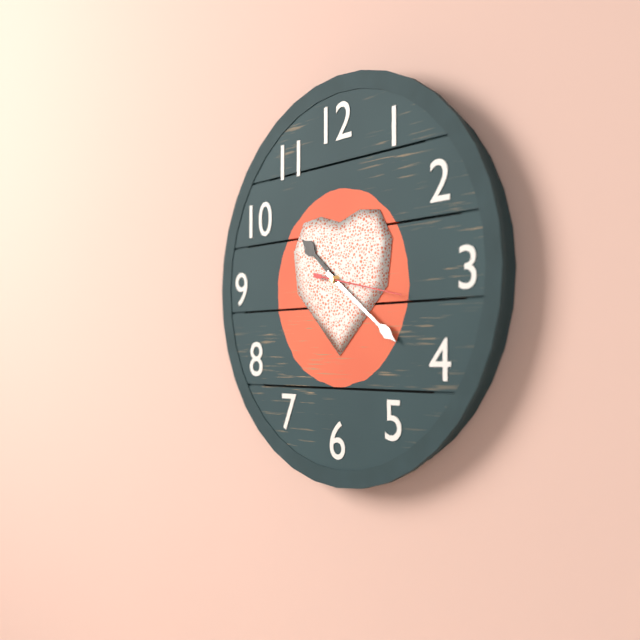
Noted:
10:21:17
